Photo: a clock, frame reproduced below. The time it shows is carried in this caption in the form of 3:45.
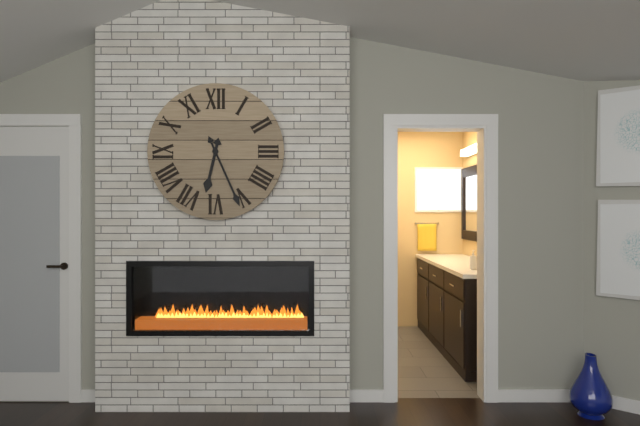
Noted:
6:26
